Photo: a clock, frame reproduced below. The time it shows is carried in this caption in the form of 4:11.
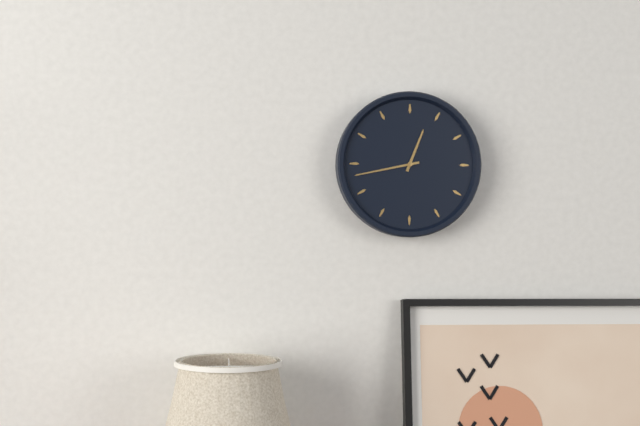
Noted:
12:43
